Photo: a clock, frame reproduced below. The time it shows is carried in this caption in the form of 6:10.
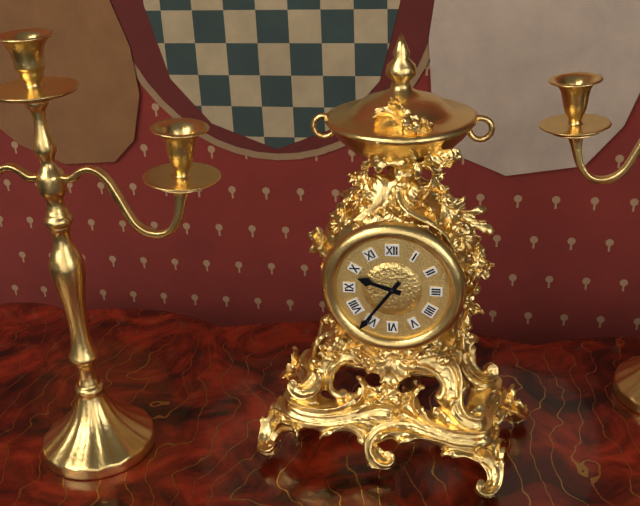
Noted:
9:36
